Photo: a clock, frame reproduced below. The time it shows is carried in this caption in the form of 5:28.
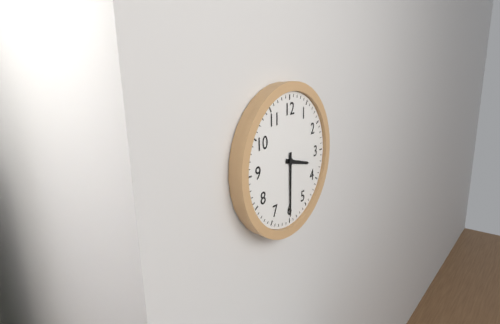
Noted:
3:30
